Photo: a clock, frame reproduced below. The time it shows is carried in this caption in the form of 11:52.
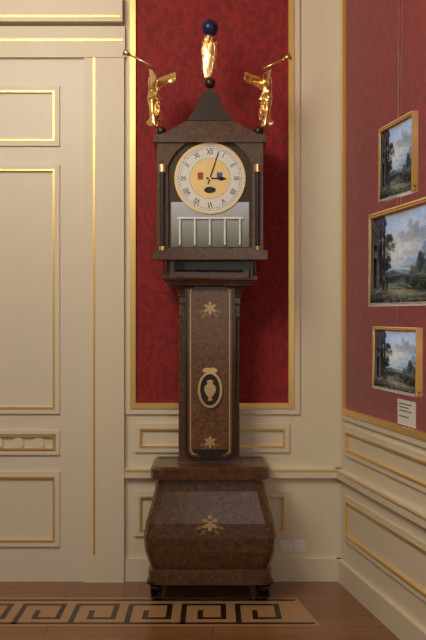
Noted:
3:03
